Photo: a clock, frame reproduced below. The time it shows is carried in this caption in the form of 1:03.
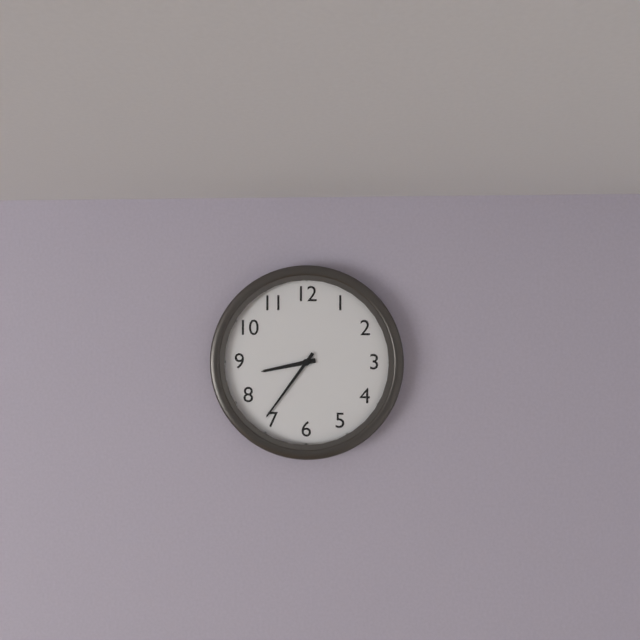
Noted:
8:36
